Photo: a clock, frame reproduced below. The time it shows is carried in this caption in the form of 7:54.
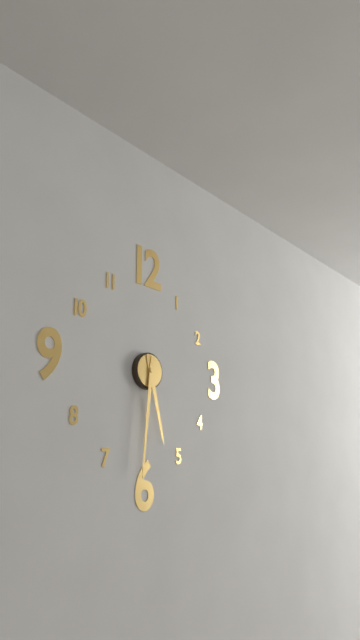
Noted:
5:31
